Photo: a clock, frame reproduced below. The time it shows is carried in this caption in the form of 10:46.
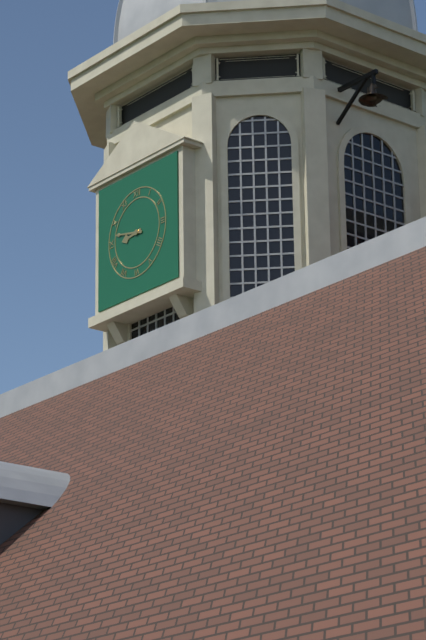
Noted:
8:47
